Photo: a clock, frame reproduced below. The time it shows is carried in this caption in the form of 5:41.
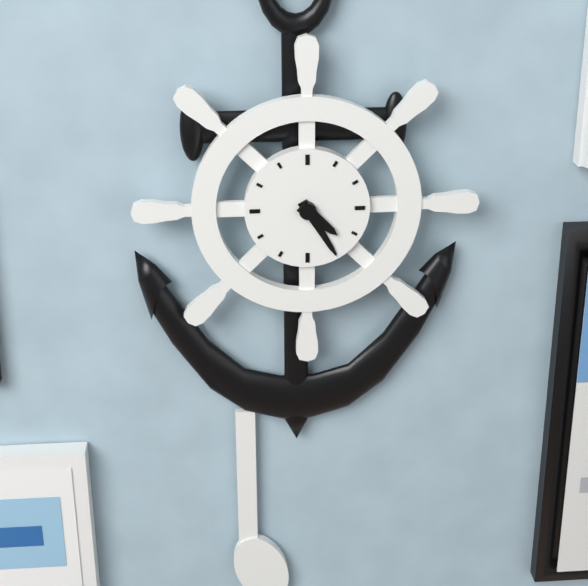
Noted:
4:25
